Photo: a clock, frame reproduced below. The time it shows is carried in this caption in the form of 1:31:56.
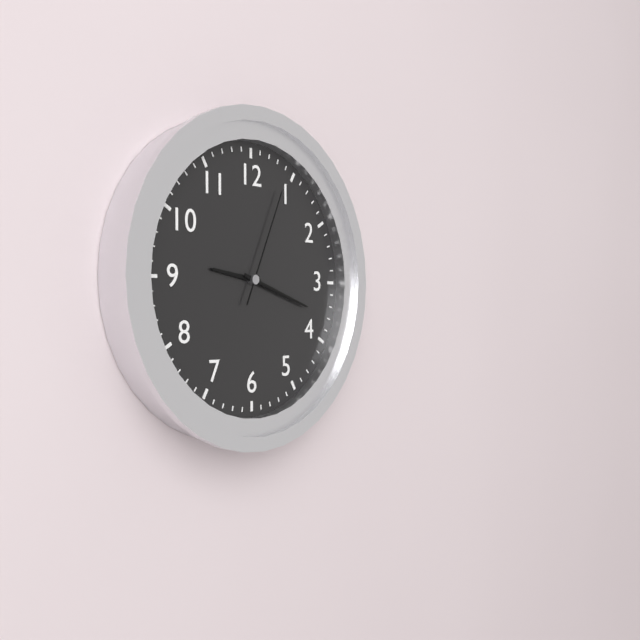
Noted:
9:18:04
